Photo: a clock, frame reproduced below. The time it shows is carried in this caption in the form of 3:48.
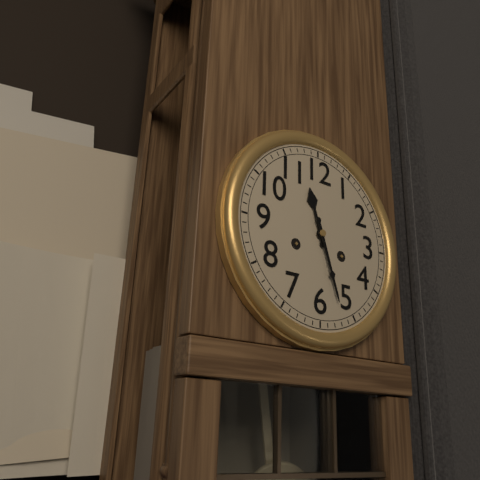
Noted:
11:27
